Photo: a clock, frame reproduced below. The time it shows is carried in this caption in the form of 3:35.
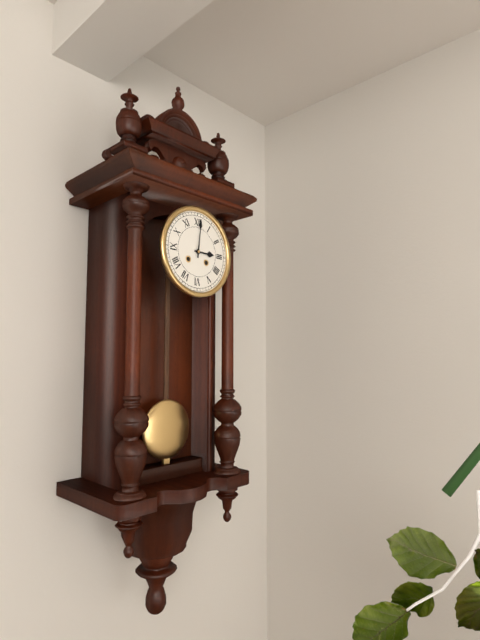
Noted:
3:01
